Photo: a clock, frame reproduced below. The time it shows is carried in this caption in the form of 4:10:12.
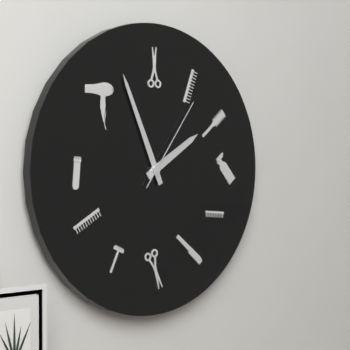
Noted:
1:56:06
